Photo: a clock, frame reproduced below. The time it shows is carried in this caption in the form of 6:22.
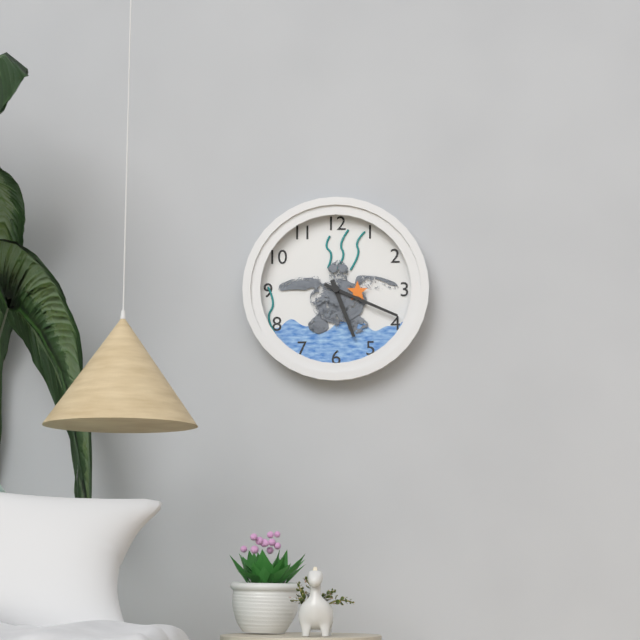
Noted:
5:19
